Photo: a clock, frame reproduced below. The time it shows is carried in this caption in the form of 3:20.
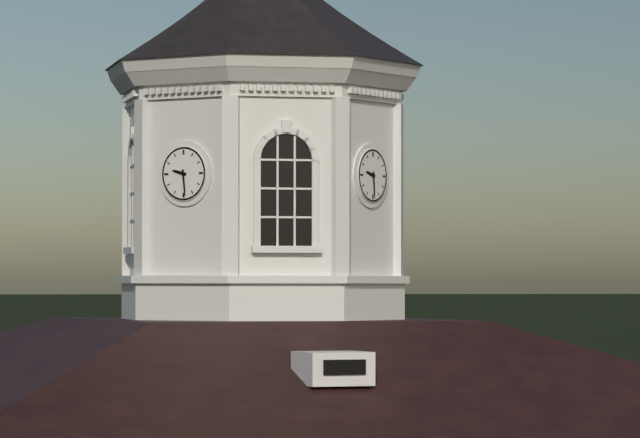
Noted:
9:29
